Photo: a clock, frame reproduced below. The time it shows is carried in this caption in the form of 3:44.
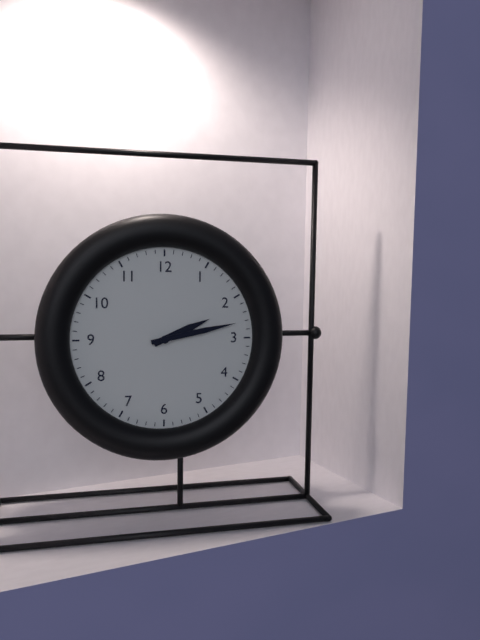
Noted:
2:13
